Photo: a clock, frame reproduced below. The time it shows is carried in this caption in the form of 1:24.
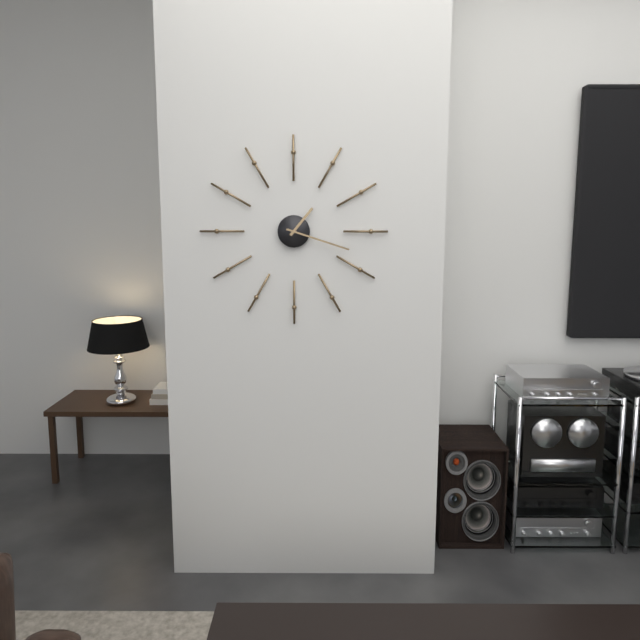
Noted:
1:18
